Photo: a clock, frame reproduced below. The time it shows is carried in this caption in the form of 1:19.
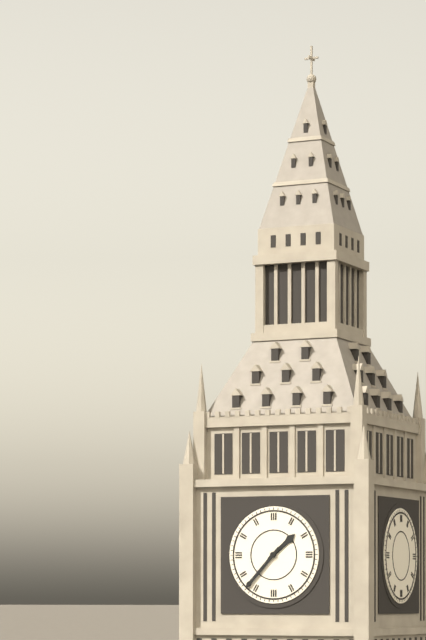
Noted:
1:37
